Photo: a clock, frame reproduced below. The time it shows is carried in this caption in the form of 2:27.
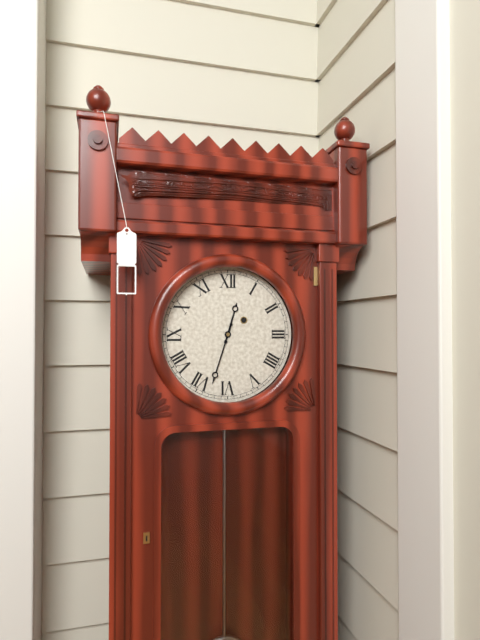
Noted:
12:33
